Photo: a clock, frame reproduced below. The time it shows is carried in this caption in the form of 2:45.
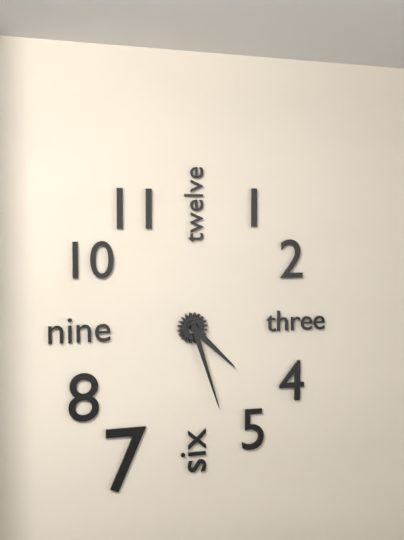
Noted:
4:27
